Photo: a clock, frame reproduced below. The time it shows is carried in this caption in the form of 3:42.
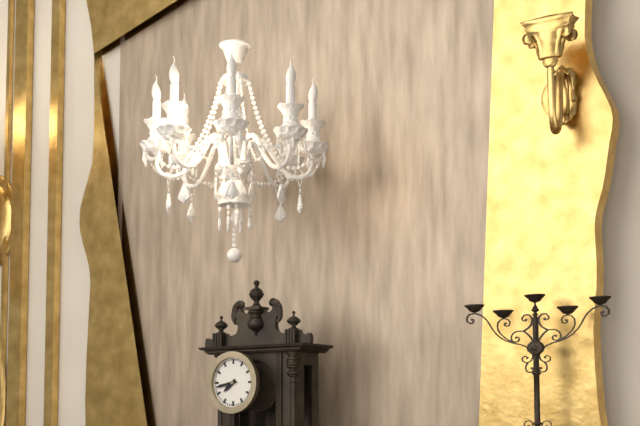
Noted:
7:43
